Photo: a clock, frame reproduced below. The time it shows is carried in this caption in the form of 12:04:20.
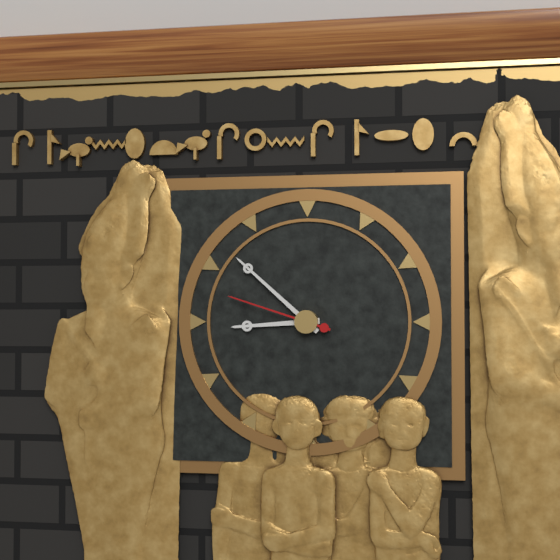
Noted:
8:52:48
